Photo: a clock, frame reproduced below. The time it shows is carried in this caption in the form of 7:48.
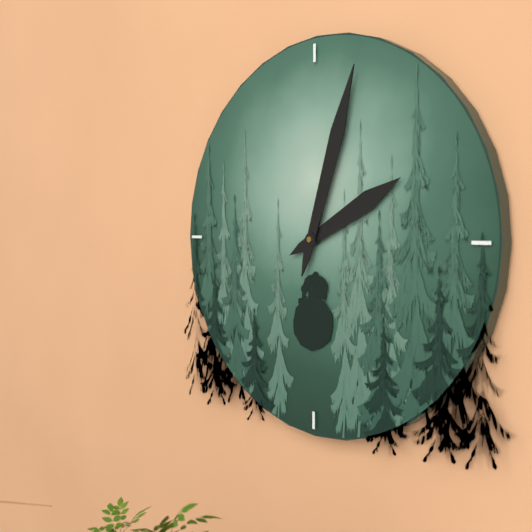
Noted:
2:03
